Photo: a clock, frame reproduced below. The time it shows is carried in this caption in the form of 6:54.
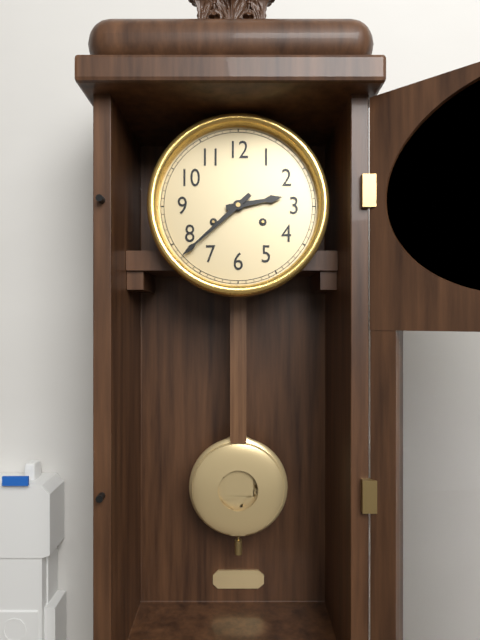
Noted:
2:38
